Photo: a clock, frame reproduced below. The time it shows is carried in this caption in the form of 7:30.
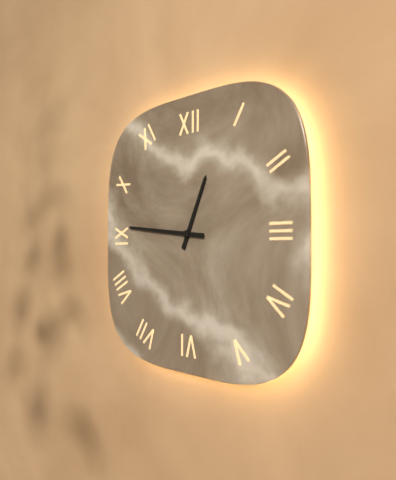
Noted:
12:46
